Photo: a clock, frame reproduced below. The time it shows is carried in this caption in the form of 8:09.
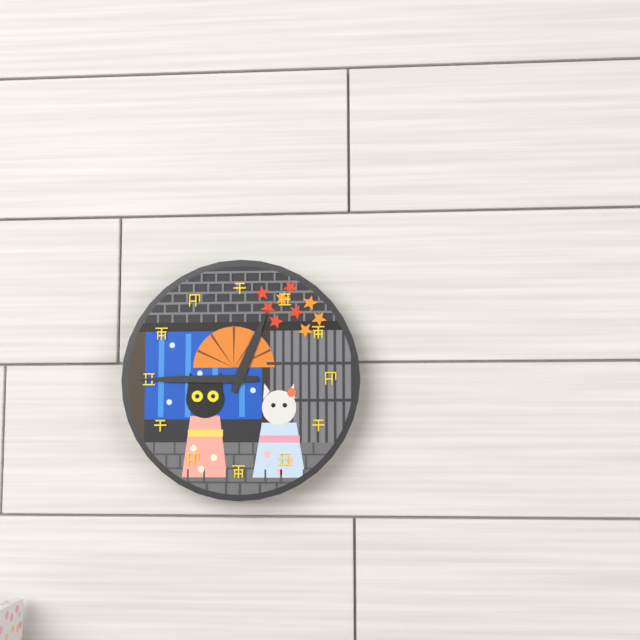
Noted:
12:45
